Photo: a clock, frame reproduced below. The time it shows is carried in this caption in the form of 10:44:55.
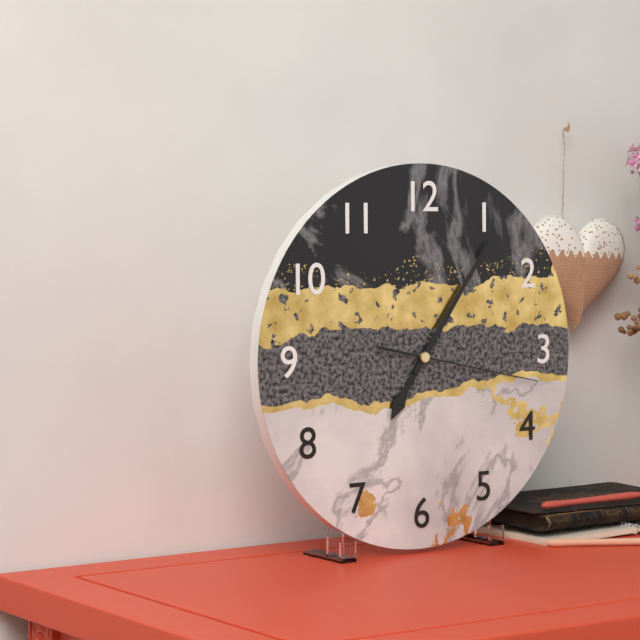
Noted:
7:06:17
